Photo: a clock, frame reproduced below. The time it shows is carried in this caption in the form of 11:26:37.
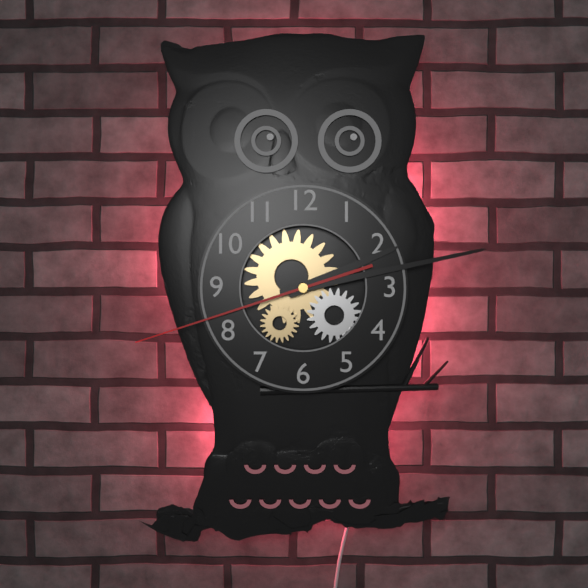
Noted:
2:13:42
